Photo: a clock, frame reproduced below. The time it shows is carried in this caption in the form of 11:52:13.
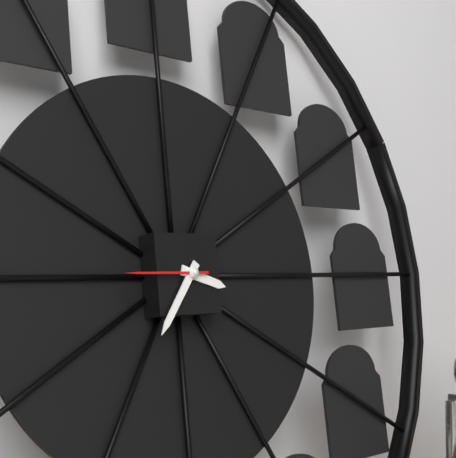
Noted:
3:36:45
